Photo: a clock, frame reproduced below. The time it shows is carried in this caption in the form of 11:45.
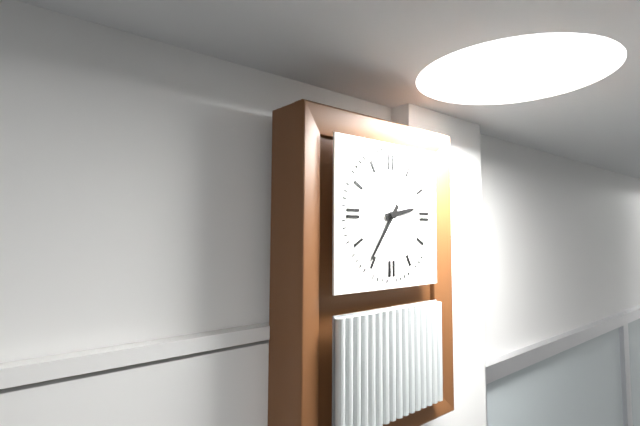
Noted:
2:36
